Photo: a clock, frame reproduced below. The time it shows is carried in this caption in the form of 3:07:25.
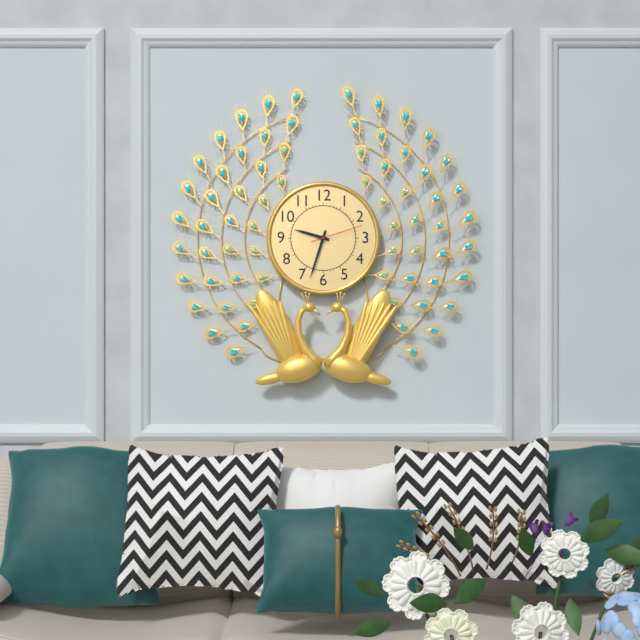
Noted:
9:33:12
